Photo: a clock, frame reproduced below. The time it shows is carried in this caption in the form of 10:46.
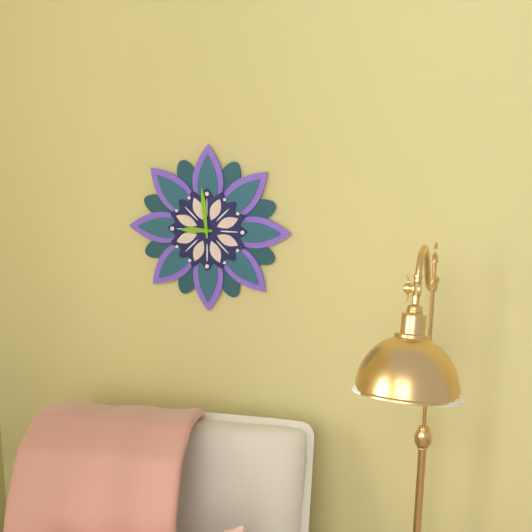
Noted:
8:59
